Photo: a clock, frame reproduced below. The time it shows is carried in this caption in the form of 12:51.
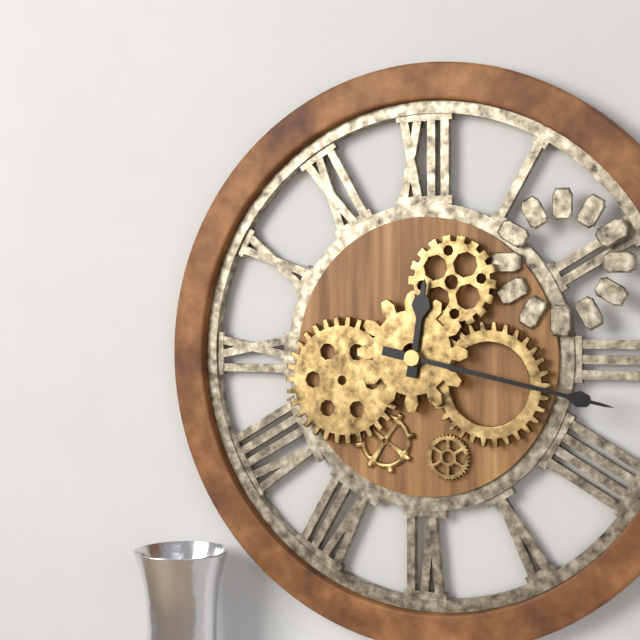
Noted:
12:17
